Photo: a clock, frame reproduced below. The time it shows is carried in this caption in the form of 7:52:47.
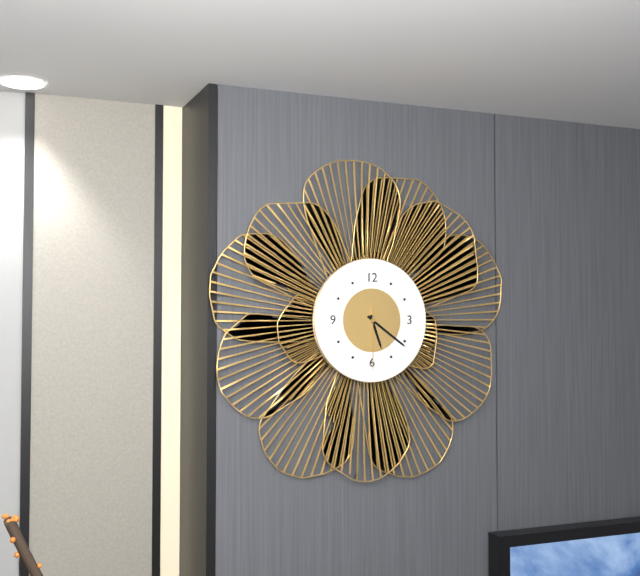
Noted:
5:21:30
